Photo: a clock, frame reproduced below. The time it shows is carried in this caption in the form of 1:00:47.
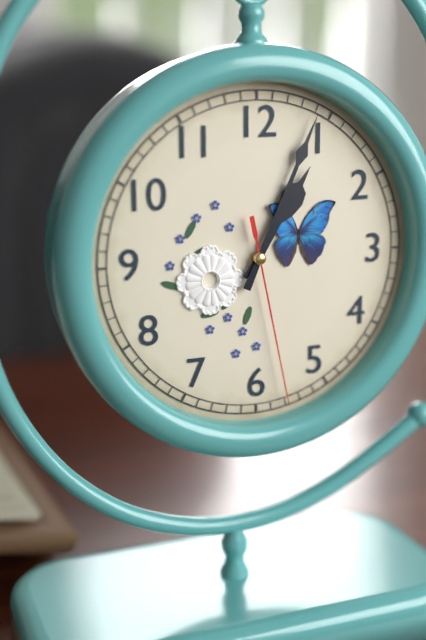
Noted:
1:04:28
